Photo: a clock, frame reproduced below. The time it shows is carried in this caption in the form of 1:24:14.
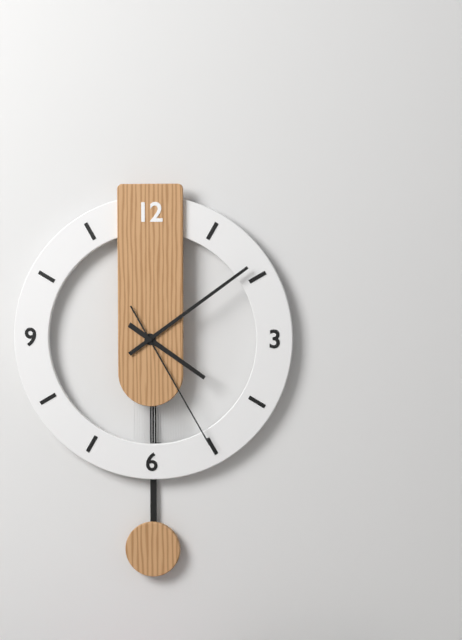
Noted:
4:09:25
